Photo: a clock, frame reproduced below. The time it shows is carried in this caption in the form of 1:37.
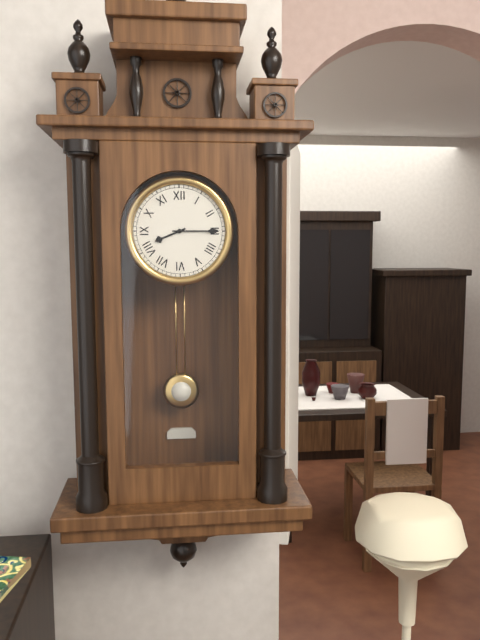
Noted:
8:15
